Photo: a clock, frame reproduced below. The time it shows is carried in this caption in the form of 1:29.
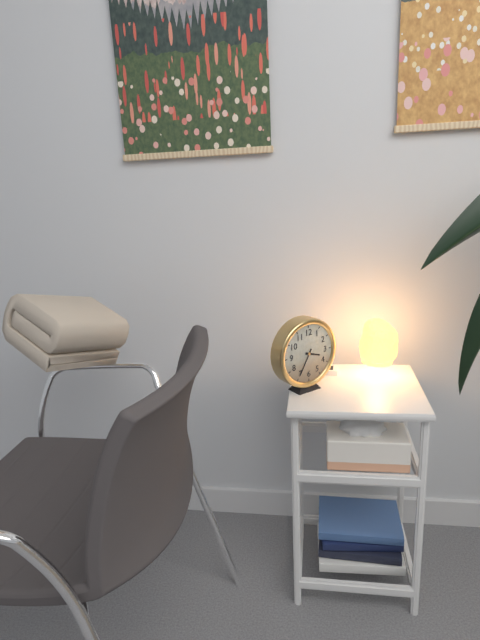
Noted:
3:35
